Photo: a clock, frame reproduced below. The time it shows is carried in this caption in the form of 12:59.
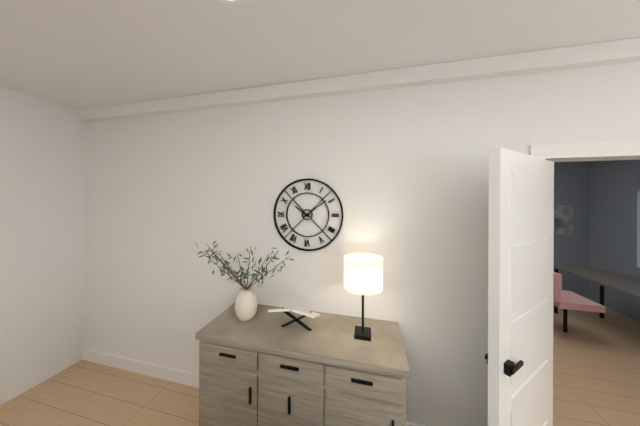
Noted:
10:09
